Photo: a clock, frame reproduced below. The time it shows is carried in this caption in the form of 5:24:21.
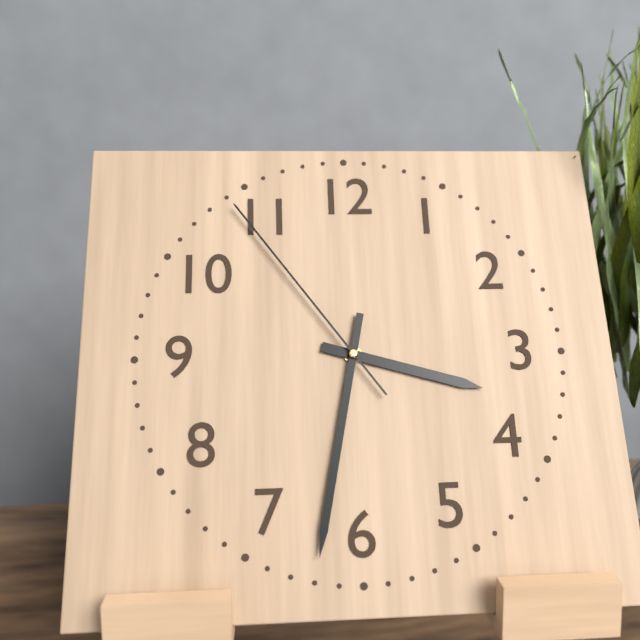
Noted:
3:32:54
